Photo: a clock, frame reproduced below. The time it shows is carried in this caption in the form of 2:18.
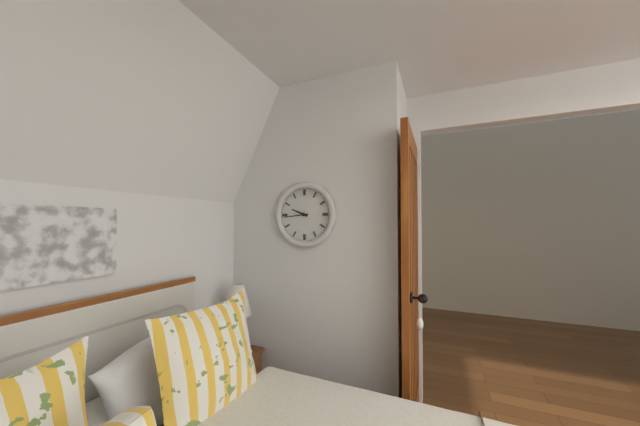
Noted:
9:44
